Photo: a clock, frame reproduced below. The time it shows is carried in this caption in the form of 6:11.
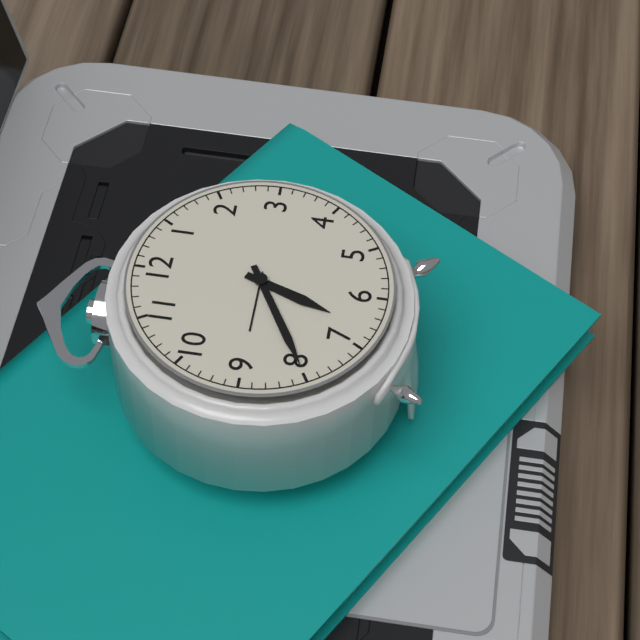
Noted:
6:40
